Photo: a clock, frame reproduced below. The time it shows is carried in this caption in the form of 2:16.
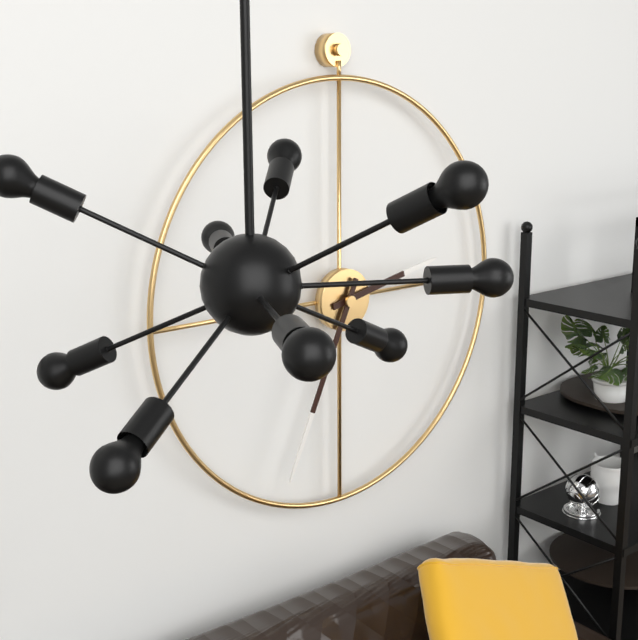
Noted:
2:34
